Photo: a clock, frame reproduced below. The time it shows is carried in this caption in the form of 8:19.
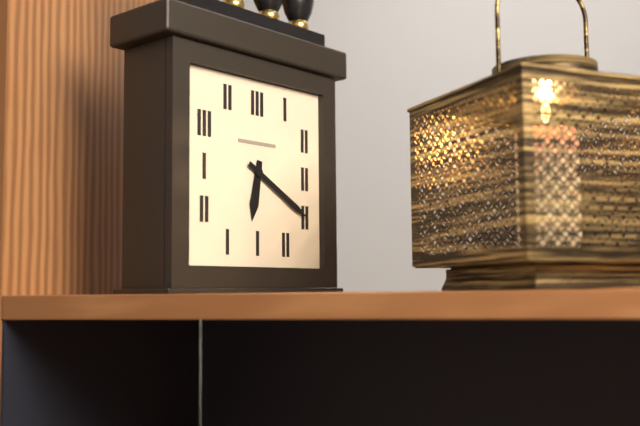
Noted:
6:20
